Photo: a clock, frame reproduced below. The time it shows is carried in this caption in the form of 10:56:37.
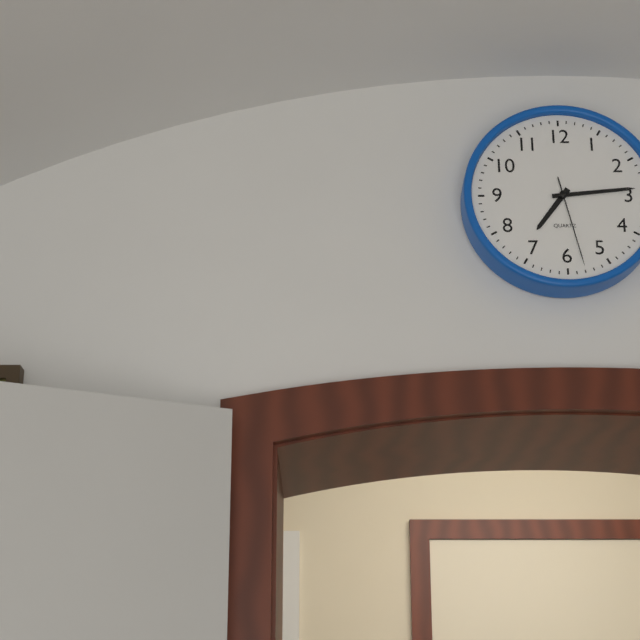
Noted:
7:14:28
